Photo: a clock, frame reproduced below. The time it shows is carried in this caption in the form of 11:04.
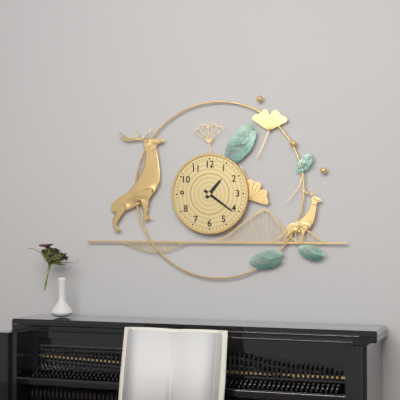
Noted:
1:21
